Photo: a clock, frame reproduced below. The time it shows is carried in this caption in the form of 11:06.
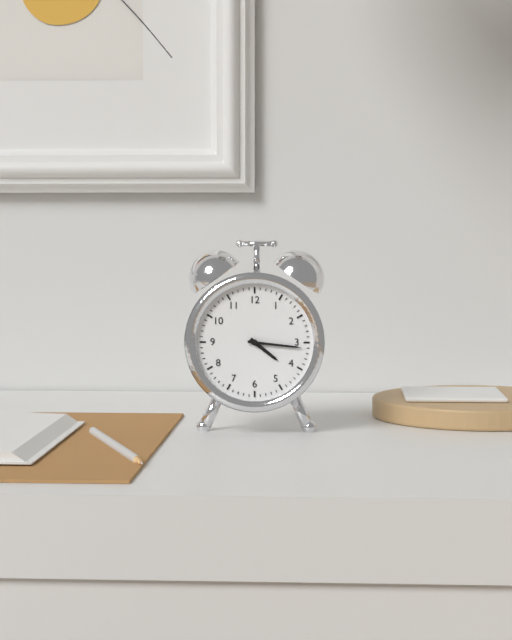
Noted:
4:16
